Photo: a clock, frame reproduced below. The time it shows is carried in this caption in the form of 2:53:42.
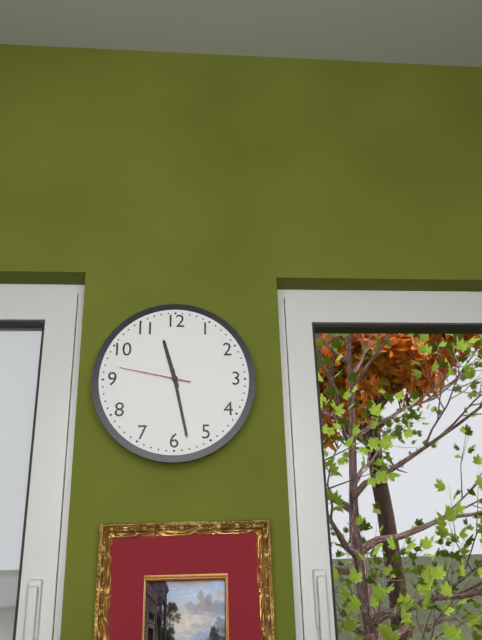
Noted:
11:28:47
